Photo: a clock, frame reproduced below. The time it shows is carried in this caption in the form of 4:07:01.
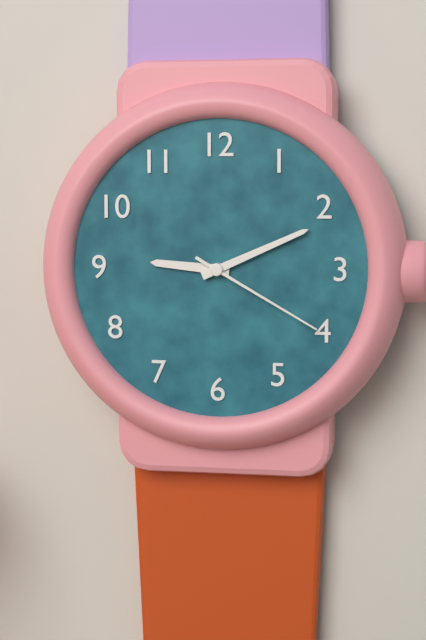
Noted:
9:11:20
